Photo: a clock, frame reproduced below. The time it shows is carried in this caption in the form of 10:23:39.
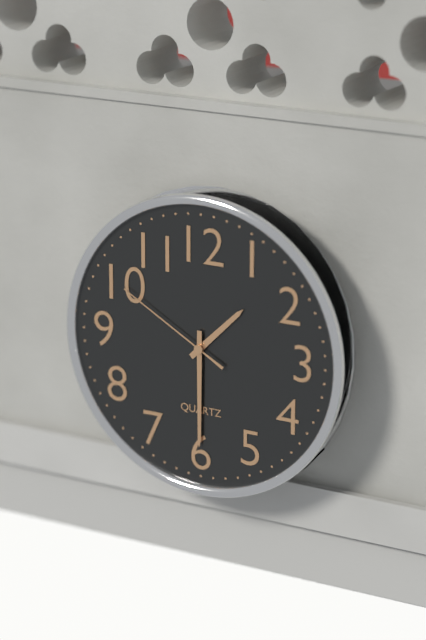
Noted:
1:30:50
